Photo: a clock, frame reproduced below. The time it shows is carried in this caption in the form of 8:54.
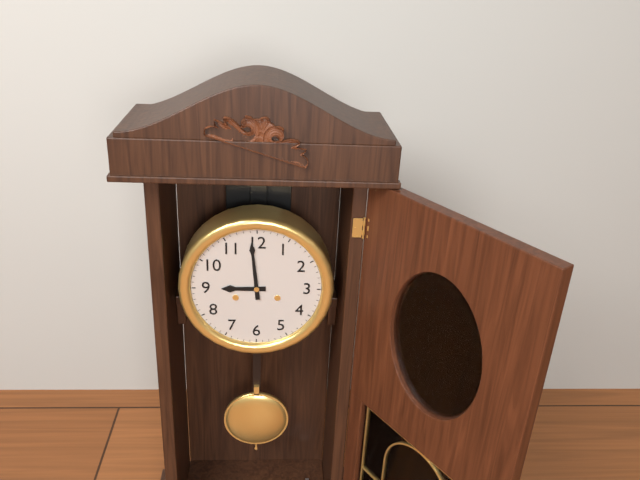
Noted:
8:59
